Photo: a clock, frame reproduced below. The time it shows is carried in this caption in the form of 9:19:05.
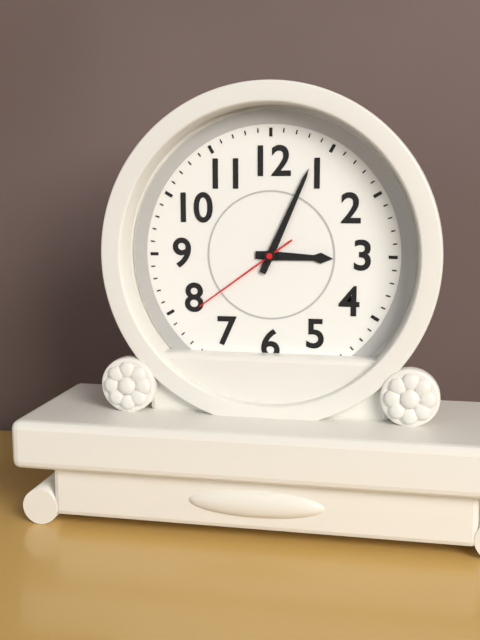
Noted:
3:04:39
